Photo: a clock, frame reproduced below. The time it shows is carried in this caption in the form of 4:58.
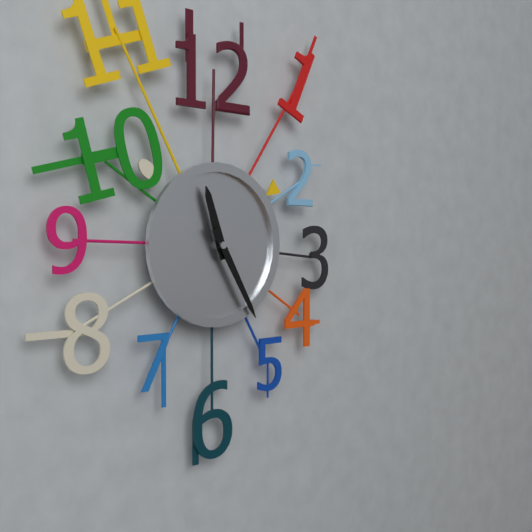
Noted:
11:25
